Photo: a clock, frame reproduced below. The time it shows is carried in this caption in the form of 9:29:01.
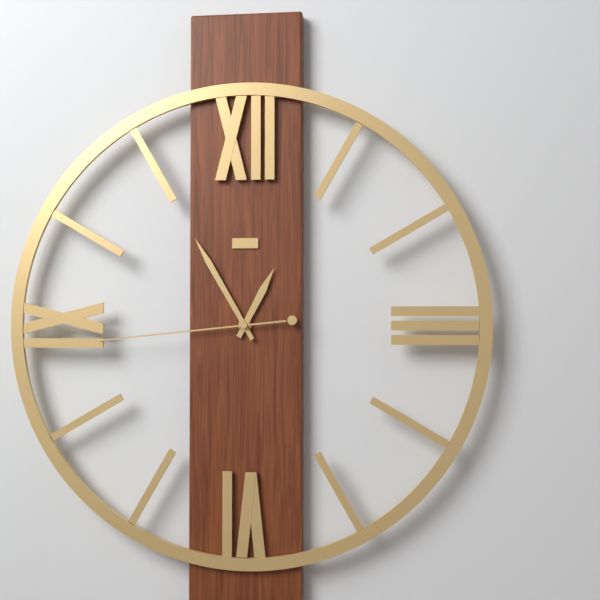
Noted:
12:55:44
